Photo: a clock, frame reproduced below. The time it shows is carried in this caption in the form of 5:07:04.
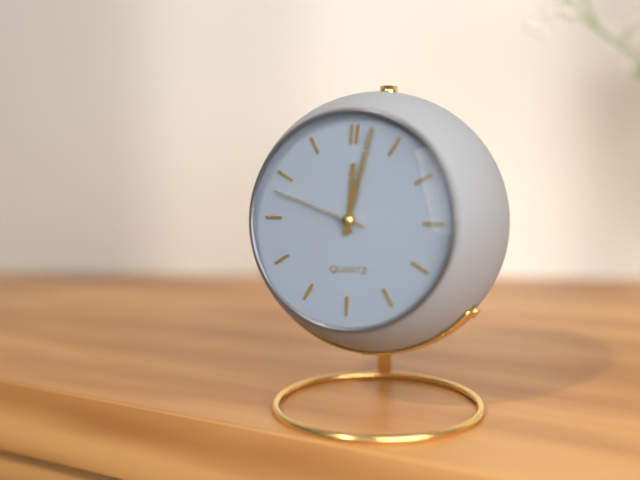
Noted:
12:02:48
